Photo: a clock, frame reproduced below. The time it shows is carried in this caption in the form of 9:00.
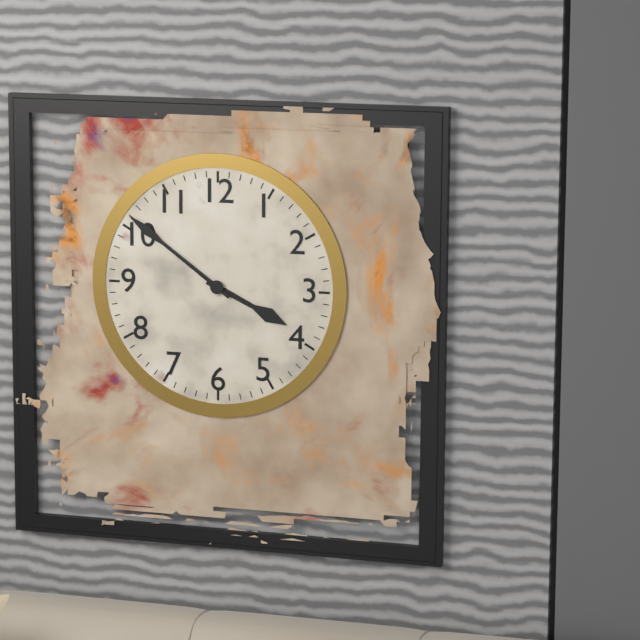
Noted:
3:51
